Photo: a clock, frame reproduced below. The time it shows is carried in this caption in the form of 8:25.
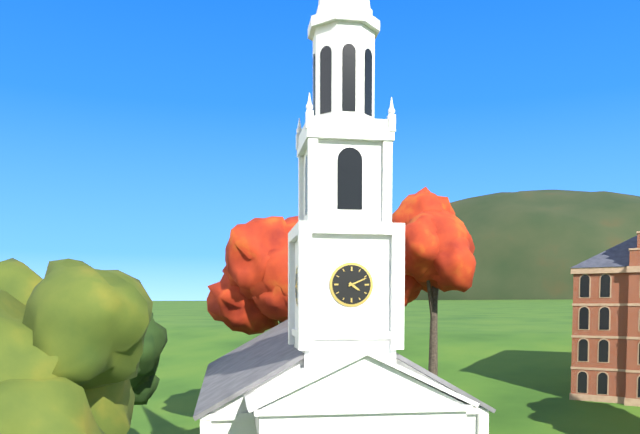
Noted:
4:11
